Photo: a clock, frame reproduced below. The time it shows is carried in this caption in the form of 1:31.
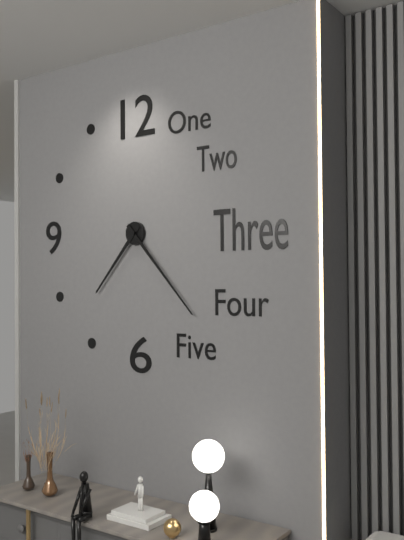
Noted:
7:23
